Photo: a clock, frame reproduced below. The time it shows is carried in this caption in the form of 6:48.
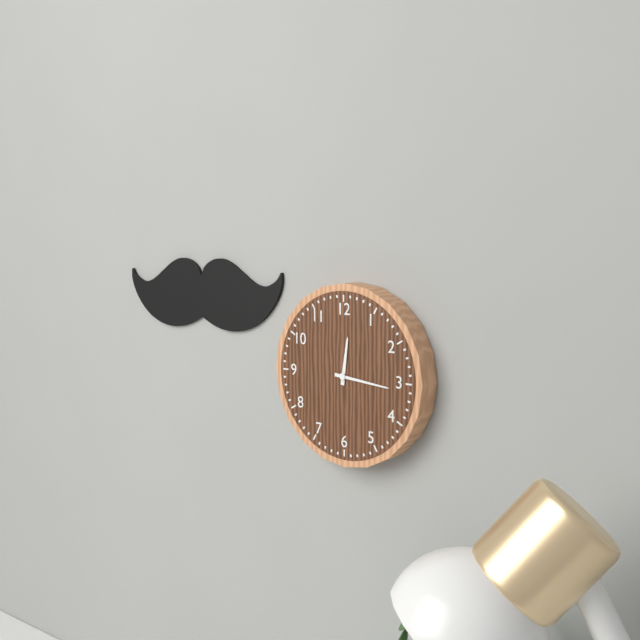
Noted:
12:16
